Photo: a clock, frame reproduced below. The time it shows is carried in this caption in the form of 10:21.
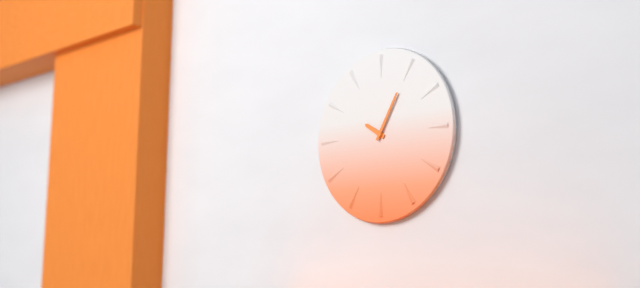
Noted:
10:05
